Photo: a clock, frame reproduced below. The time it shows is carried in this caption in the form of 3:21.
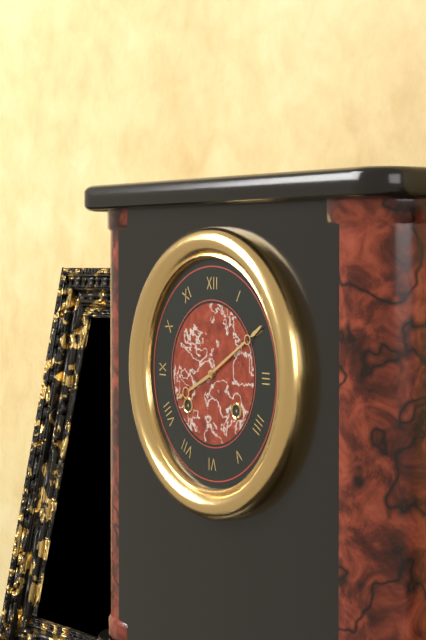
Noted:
8:10
